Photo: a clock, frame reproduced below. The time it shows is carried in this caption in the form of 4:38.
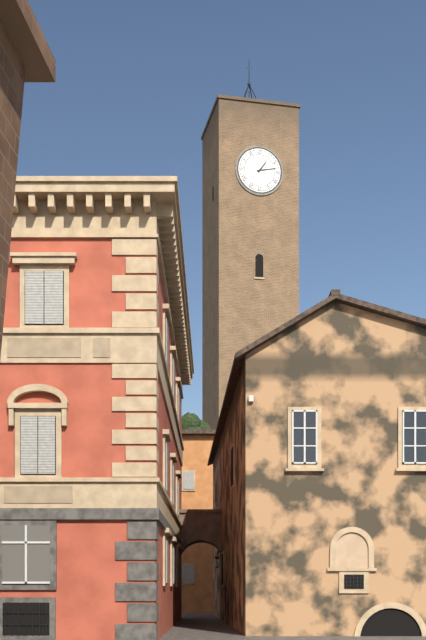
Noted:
1:13
